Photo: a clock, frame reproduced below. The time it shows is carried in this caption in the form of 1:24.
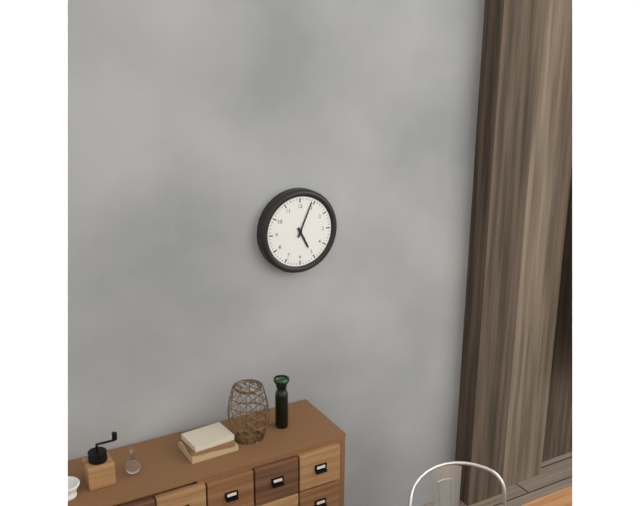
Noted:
5:04
